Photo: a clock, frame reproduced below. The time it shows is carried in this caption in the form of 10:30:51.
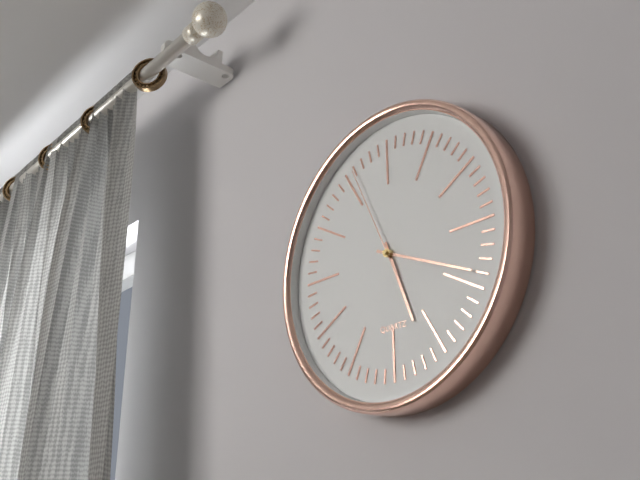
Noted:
5:19:56
